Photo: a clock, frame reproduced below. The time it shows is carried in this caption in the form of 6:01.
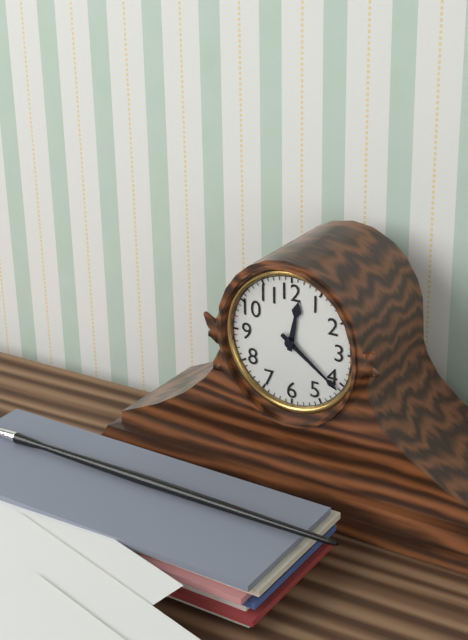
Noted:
12:21
